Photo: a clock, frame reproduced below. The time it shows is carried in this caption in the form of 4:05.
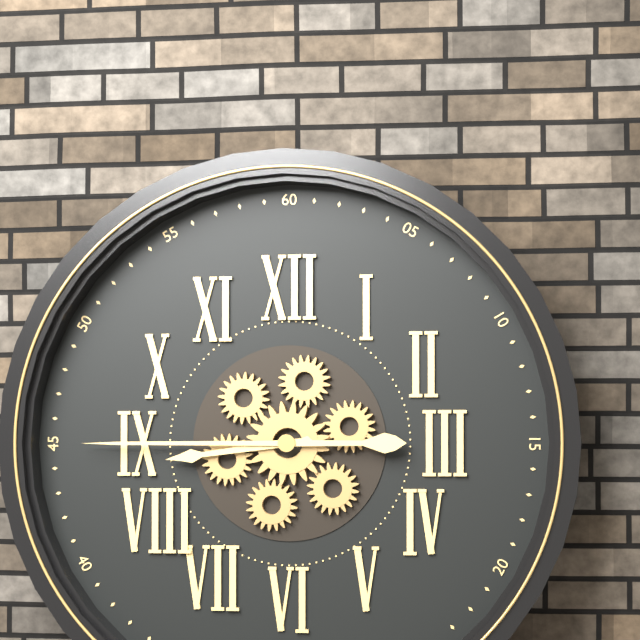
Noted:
8:45
